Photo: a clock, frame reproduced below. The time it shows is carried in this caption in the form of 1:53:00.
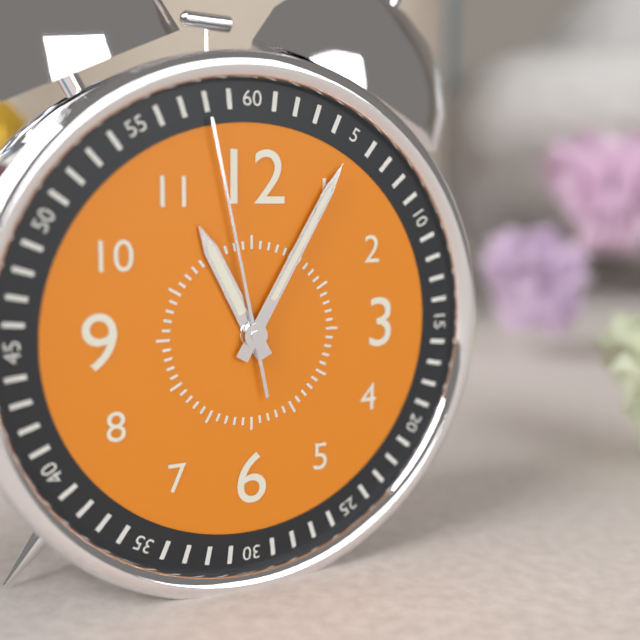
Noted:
11:05:58
